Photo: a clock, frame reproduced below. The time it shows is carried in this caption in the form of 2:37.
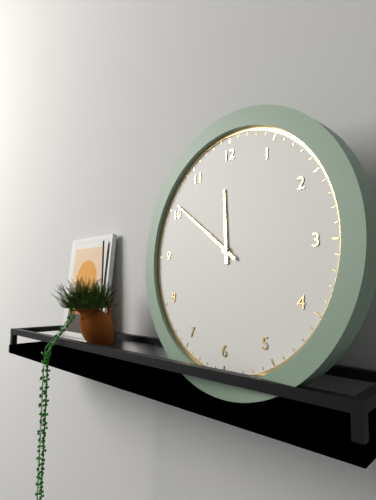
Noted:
11:51
